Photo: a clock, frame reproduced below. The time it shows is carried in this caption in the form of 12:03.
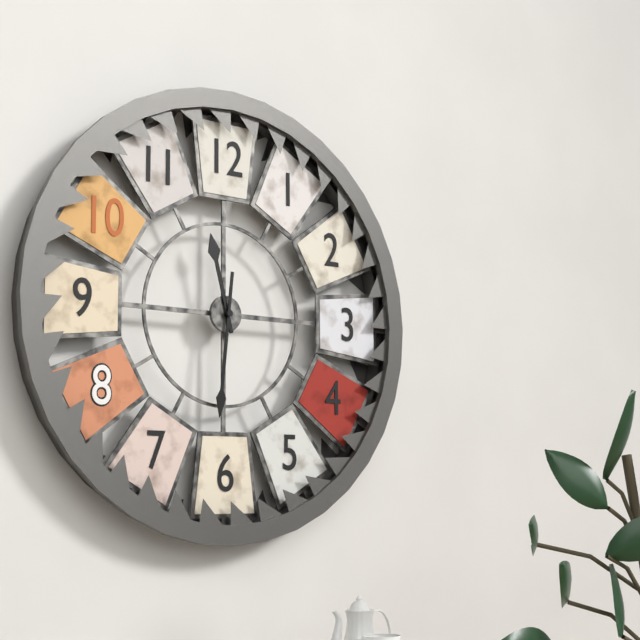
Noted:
11:31
